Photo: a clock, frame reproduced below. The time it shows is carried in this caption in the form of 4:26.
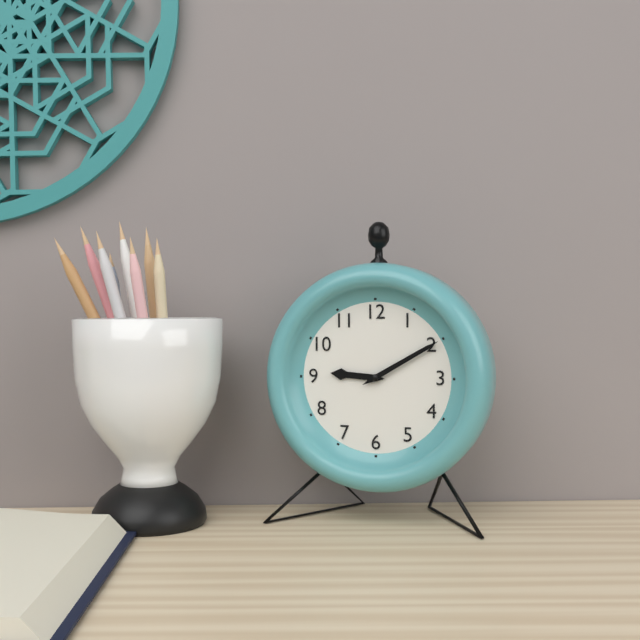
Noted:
9:10
